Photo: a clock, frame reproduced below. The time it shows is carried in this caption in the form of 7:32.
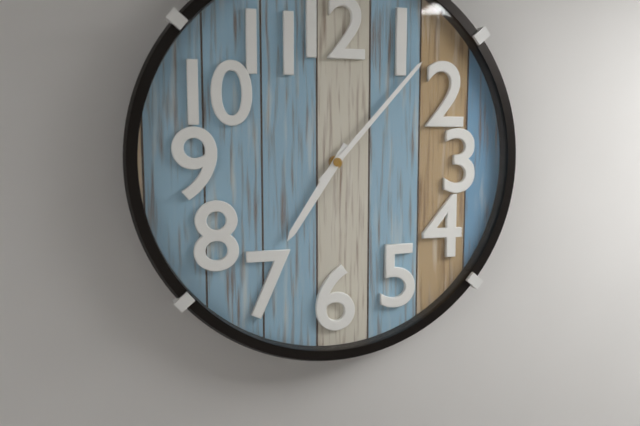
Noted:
7:07
